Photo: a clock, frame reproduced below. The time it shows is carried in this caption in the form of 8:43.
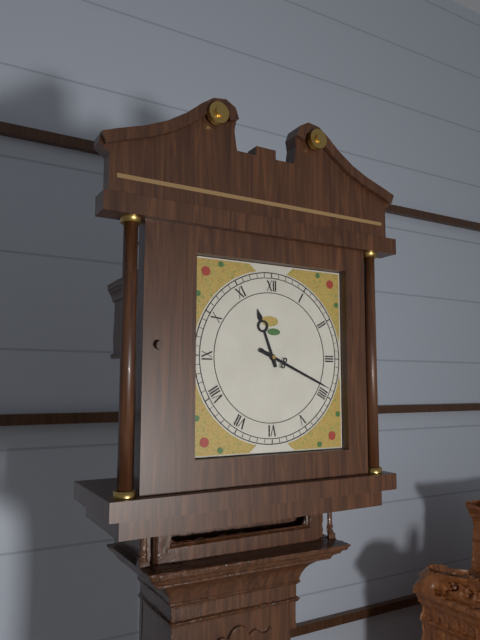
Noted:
11:19
